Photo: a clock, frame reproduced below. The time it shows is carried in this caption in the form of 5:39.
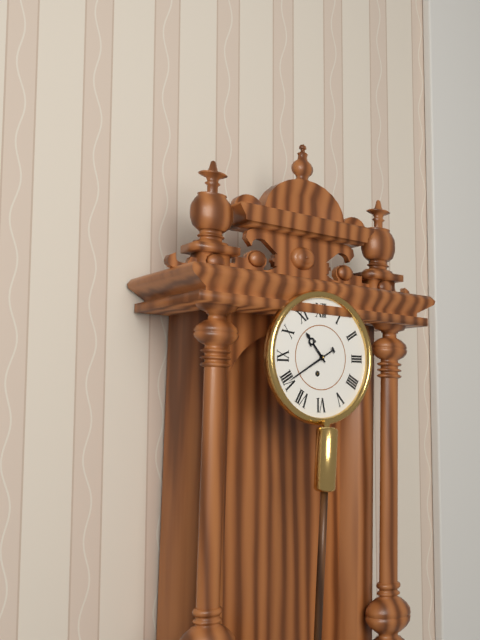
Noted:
10:40
